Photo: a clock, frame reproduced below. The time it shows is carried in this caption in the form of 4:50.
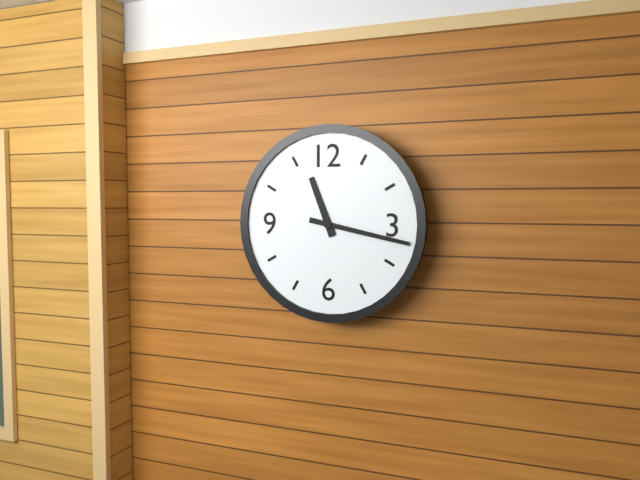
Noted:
11:17
